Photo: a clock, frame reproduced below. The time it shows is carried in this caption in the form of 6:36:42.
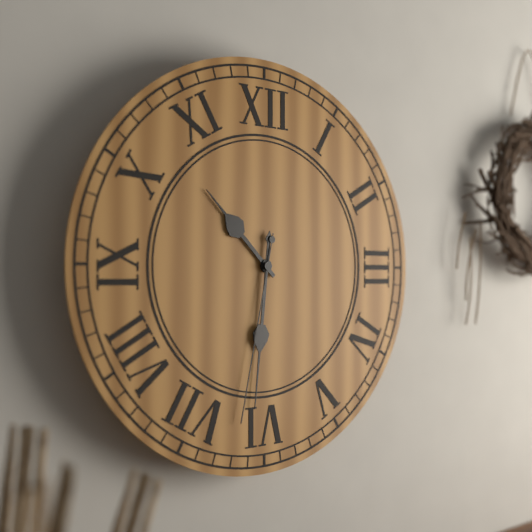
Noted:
10:31:32
